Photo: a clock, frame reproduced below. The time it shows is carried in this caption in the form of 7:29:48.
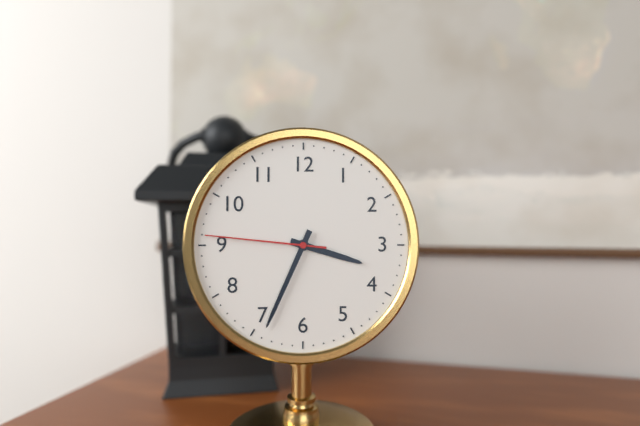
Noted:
3:34:46
